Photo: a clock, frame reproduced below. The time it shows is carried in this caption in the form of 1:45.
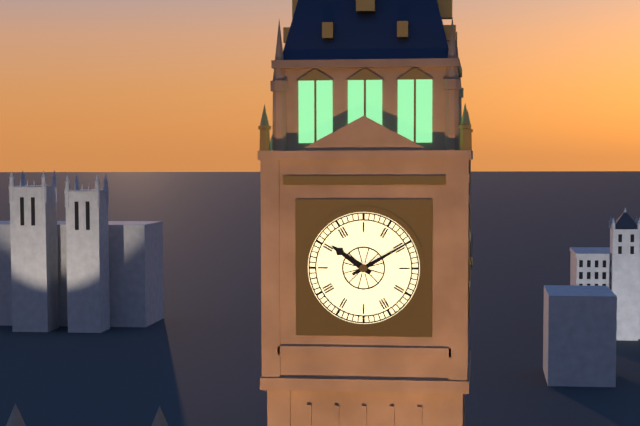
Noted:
10:10
